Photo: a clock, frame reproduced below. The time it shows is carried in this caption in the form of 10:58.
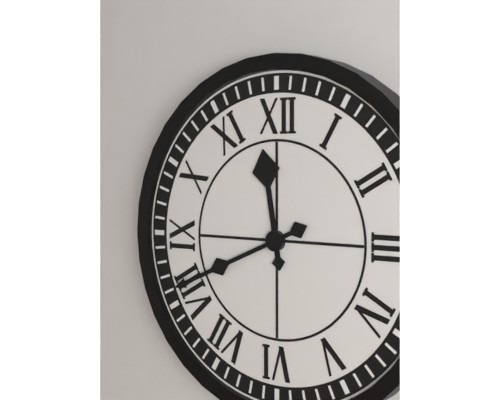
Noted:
11:41
